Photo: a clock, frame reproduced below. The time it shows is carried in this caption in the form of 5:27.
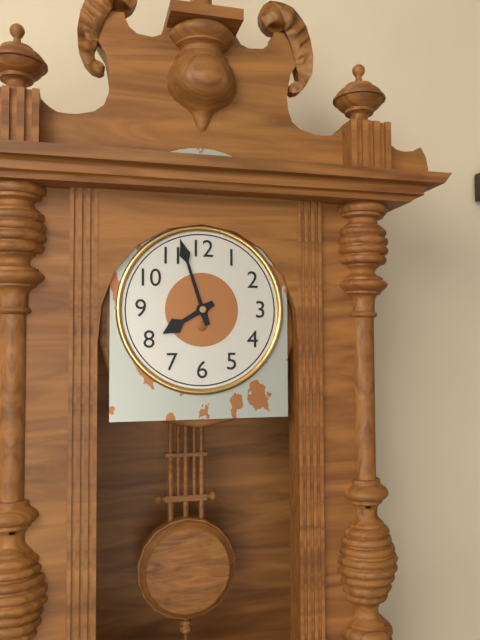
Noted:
7:57
